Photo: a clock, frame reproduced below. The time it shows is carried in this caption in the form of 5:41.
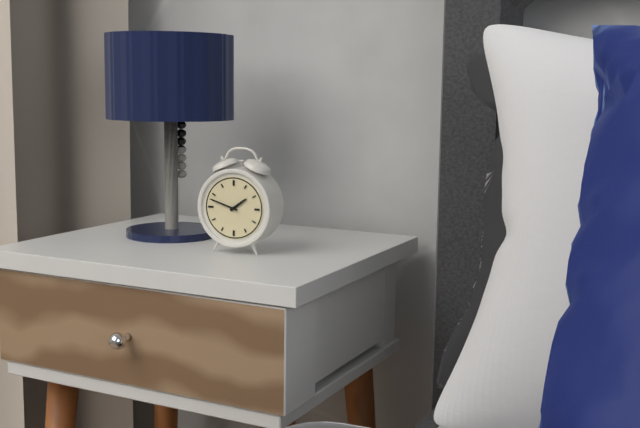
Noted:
1:48
